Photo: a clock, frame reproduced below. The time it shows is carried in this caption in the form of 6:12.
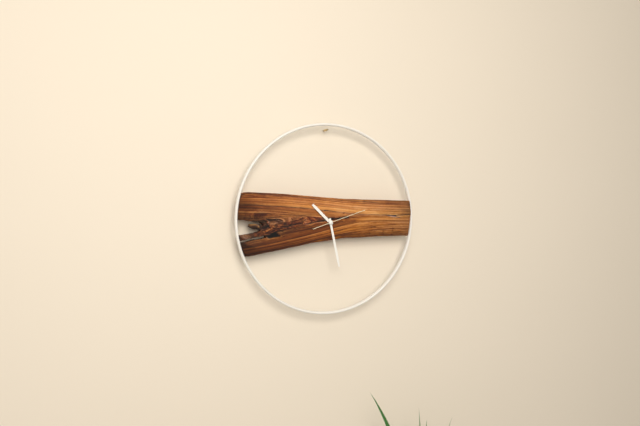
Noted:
10:28
